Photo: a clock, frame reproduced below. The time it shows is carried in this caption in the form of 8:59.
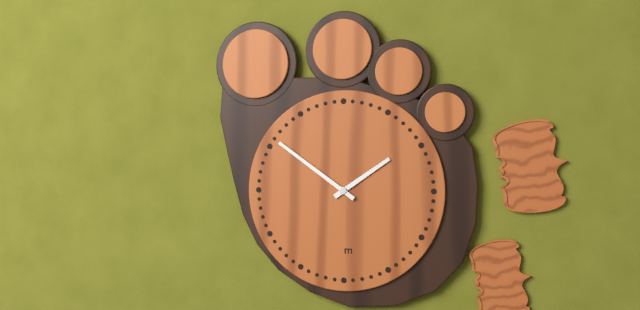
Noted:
1:51
